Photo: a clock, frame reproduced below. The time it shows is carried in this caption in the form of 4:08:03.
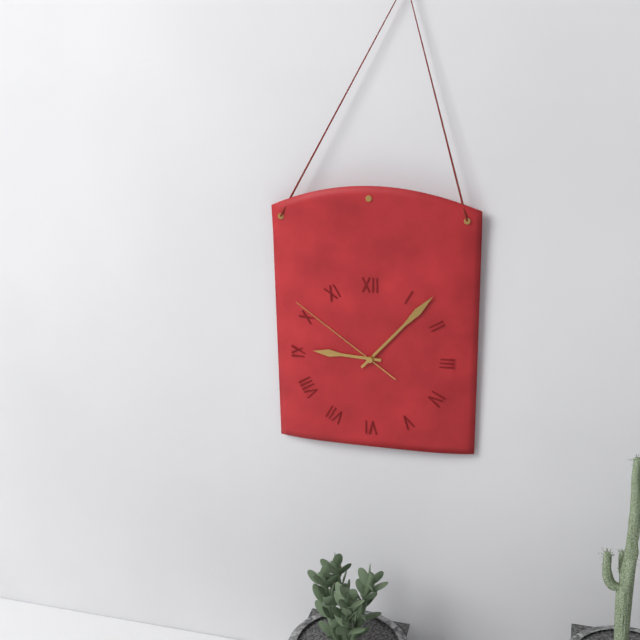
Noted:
9:07:51
